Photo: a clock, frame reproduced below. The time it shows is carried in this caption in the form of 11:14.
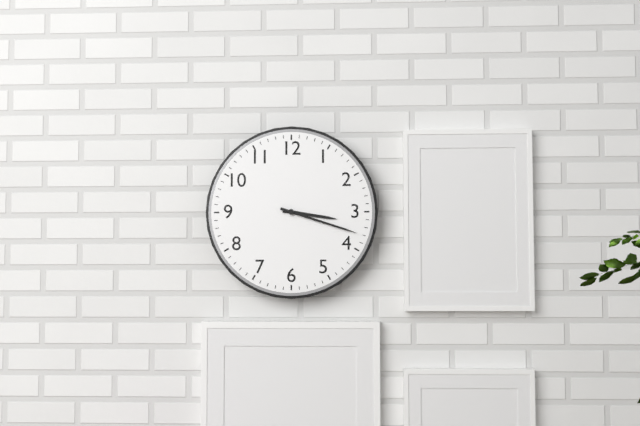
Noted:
3:18
